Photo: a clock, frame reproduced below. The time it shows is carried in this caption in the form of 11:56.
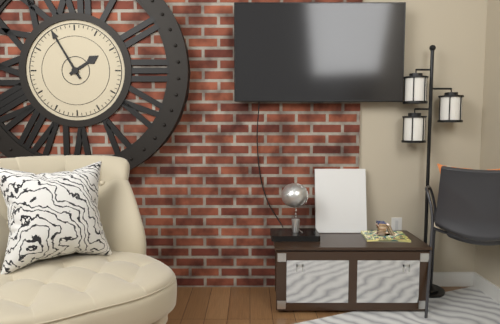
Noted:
1:55
